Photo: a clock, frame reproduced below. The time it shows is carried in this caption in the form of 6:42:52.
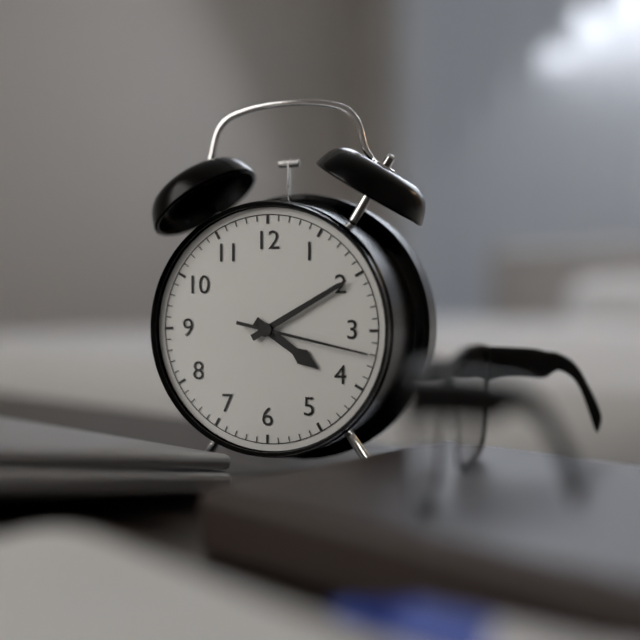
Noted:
4:10:17
